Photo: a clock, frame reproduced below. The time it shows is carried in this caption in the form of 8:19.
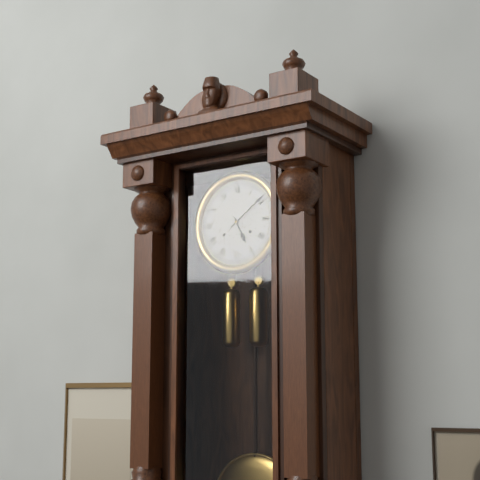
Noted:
5:09
